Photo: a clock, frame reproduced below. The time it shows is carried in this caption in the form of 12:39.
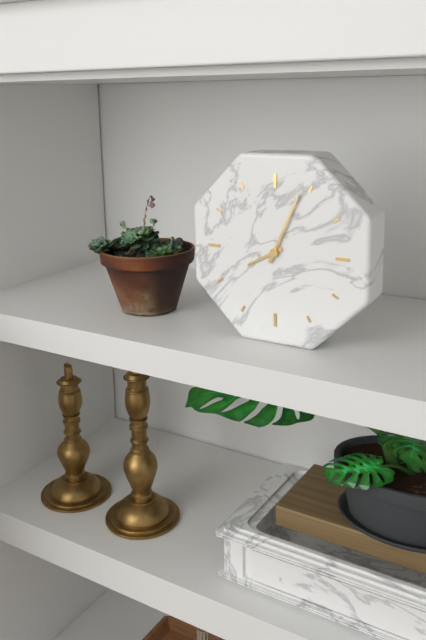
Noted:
8:04
